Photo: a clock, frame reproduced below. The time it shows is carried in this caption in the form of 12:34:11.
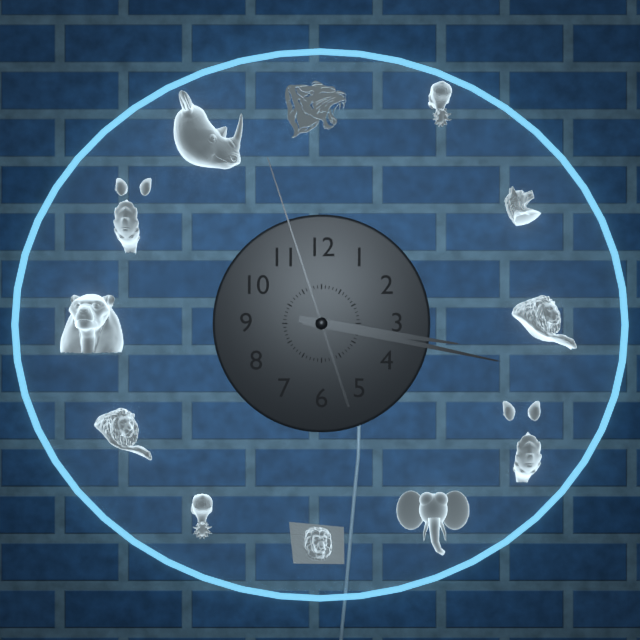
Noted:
3:17:57
